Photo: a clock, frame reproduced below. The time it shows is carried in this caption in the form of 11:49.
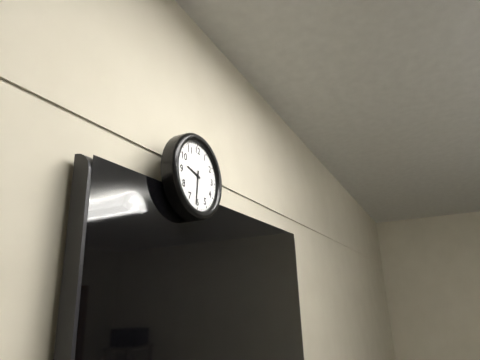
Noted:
9:31
